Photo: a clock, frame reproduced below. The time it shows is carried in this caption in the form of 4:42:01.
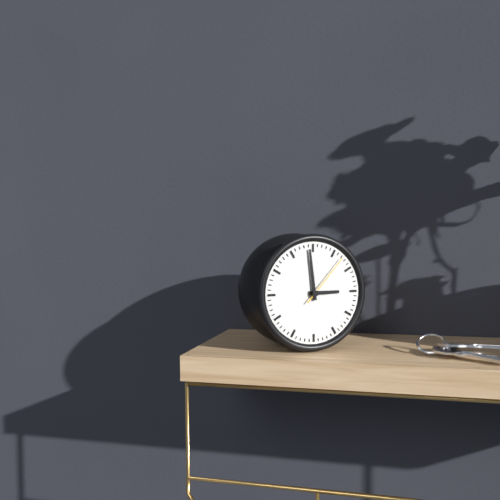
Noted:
2:59:07
